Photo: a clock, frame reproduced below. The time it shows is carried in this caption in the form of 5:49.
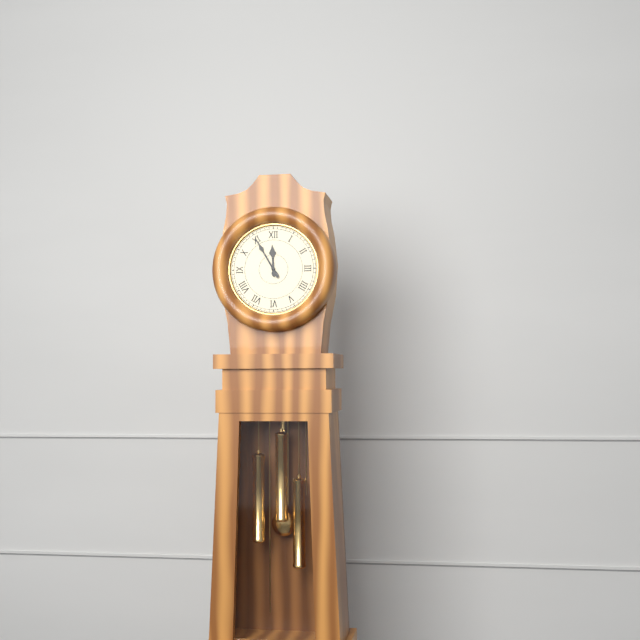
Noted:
11:55
